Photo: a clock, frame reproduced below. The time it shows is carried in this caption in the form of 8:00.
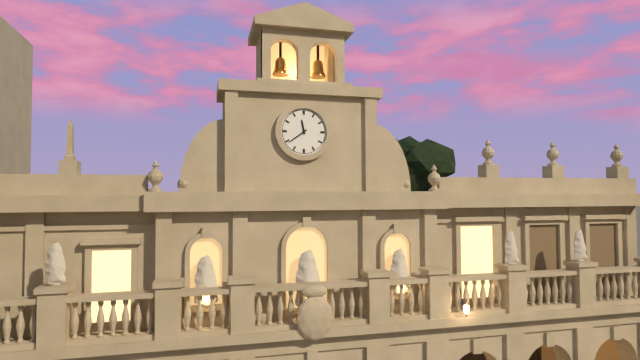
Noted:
11:39
